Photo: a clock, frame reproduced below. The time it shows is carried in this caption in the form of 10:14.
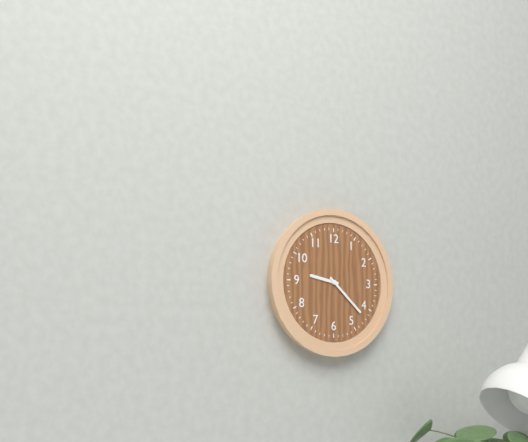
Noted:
9:22
